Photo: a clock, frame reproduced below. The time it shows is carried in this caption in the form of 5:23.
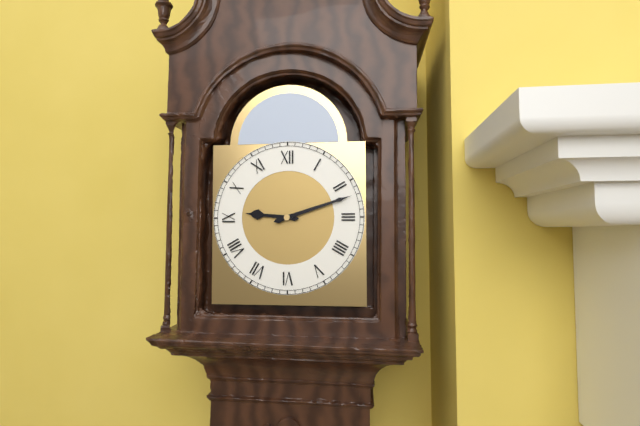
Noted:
9:12
